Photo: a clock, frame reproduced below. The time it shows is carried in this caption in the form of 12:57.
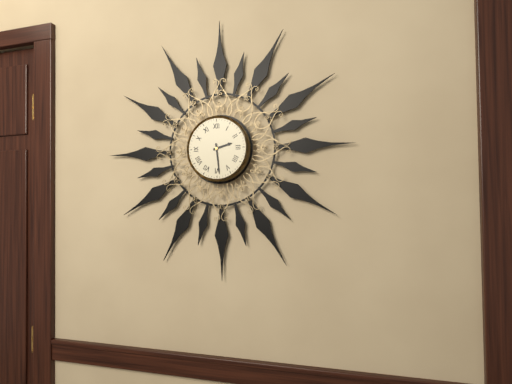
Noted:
2:29
